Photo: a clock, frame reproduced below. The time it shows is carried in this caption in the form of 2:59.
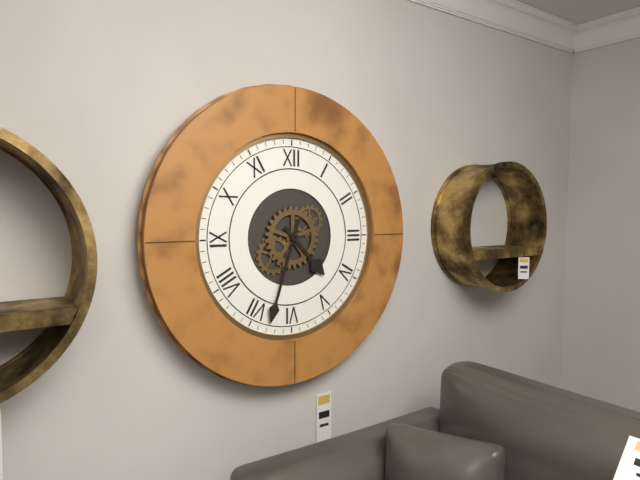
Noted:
4:33
